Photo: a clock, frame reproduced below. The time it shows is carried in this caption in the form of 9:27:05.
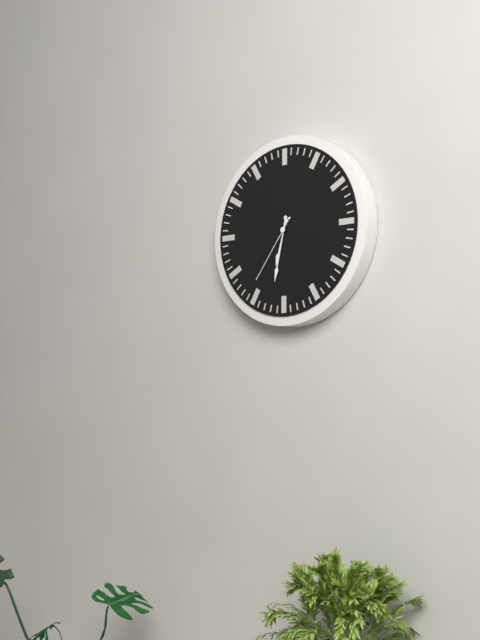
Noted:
6:32:36
